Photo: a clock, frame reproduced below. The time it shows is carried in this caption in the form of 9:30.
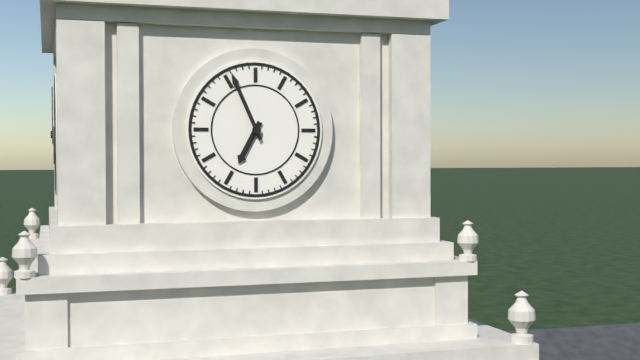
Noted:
6:56
